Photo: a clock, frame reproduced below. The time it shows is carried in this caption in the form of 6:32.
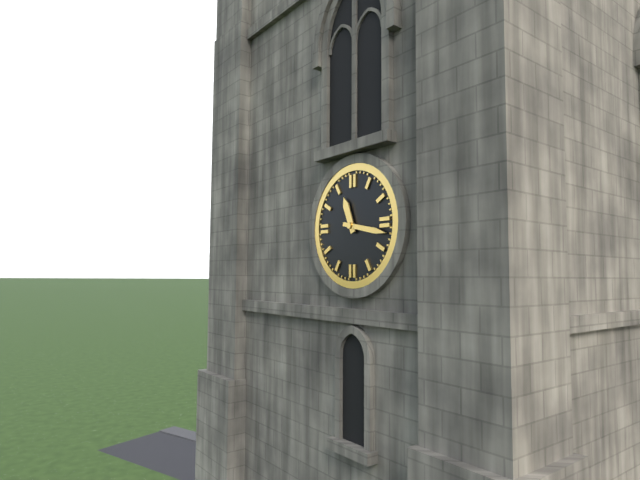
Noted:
11:17
